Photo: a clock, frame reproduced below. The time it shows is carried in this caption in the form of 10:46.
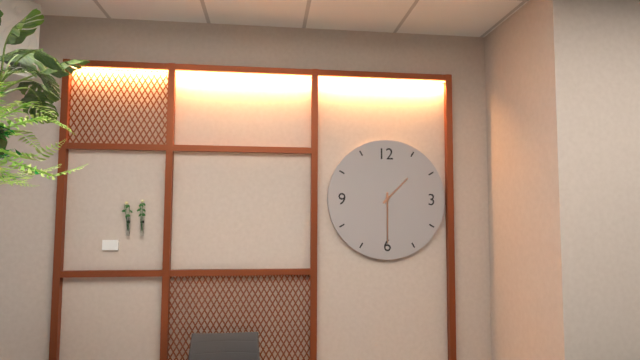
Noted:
1:30
